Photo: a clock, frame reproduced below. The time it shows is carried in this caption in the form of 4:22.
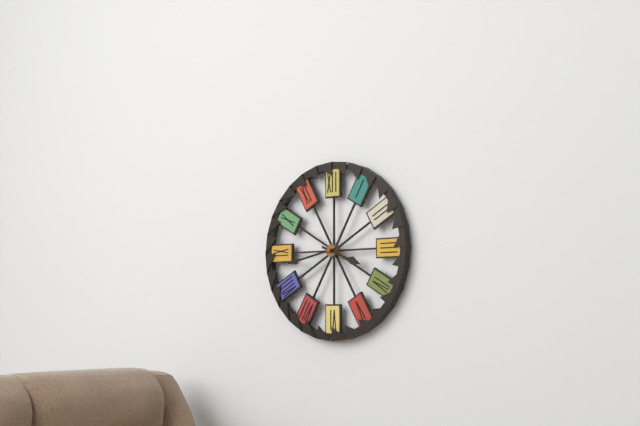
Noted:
3:43
